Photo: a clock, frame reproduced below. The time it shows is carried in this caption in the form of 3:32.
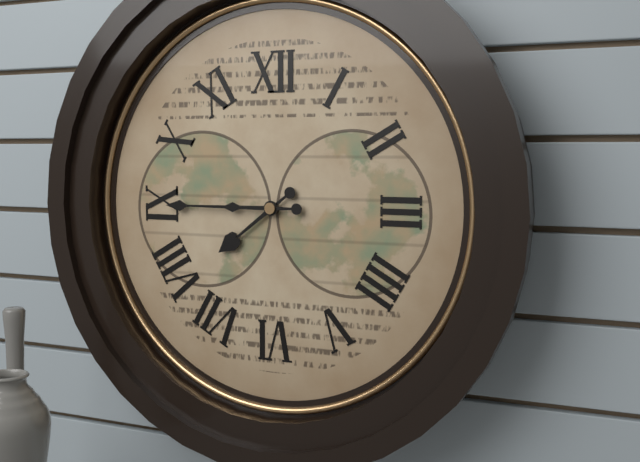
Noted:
7:45
